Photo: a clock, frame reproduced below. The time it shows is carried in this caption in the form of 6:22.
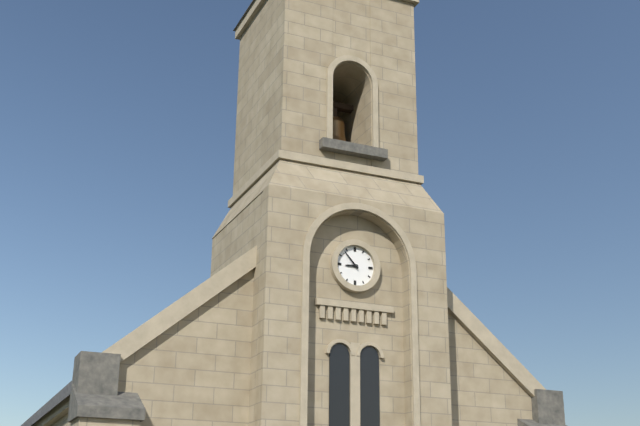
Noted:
8:53
